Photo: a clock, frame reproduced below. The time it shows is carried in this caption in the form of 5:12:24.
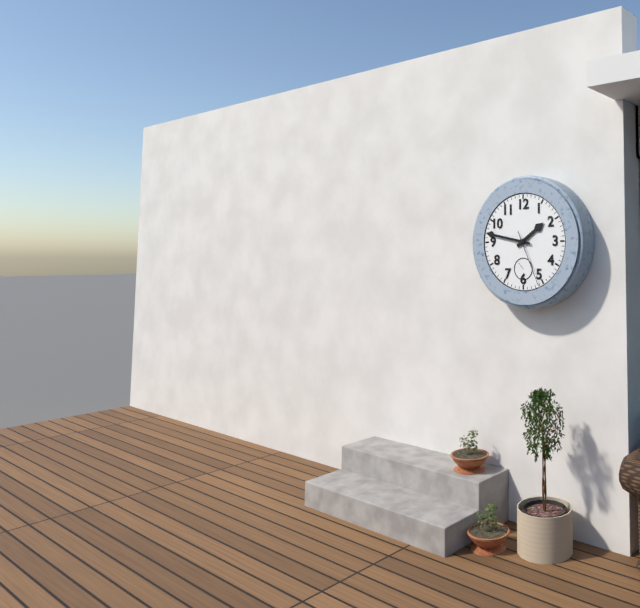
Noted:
1:47:26
